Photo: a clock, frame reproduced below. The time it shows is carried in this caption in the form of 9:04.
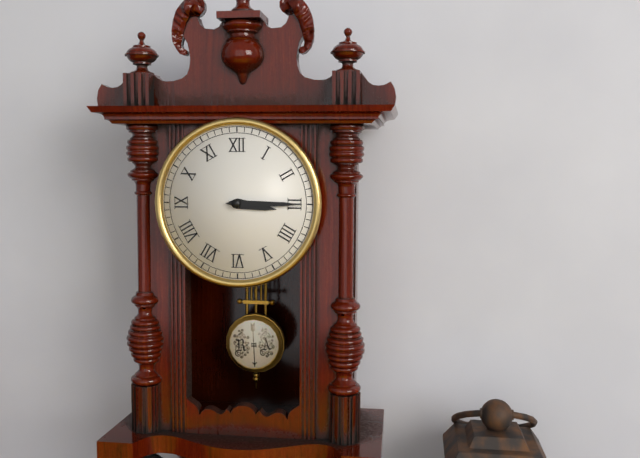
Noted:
3:15
